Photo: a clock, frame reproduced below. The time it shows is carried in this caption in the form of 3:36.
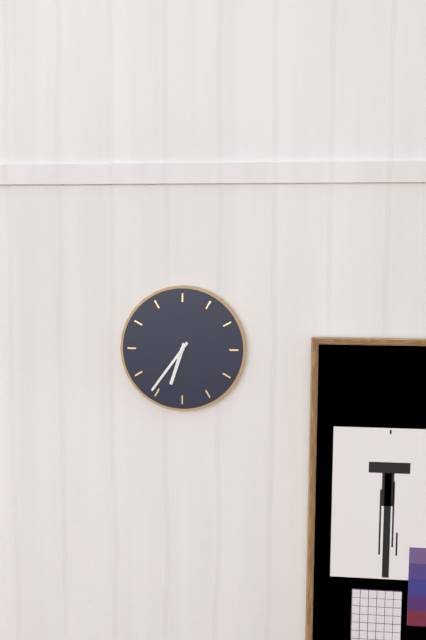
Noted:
6:36
